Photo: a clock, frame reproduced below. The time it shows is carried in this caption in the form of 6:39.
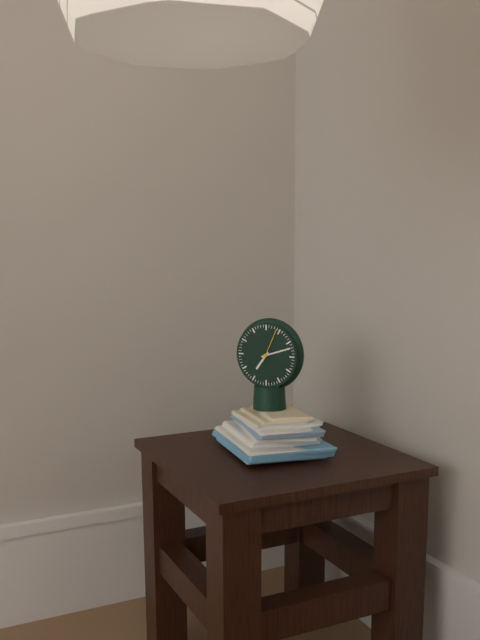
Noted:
7:12
